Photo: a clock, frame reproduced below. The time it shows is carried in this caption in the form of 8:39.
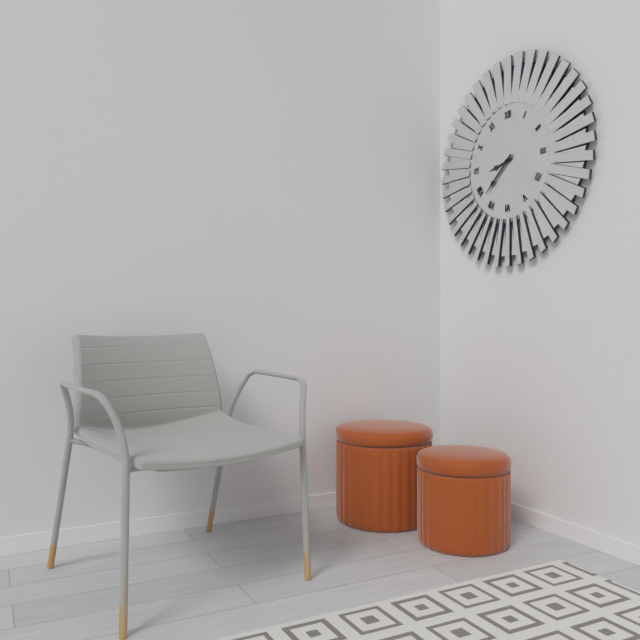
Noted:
8:38
